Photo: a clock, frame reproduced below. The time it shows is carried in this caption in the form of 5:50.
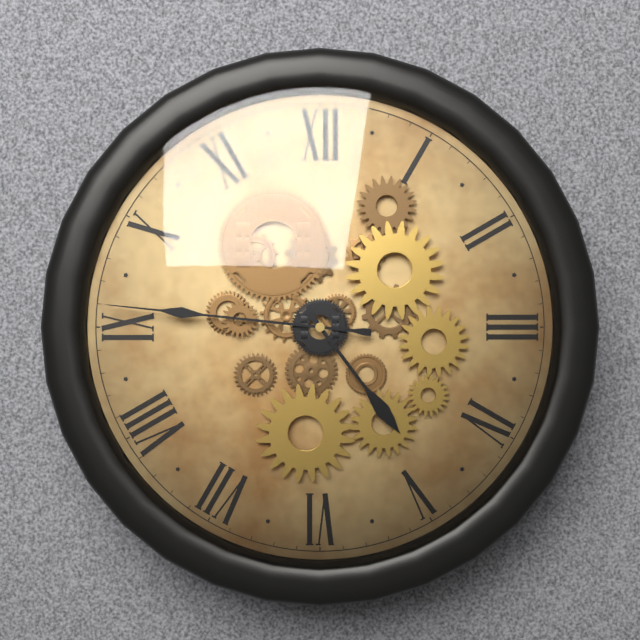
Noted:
4:46
